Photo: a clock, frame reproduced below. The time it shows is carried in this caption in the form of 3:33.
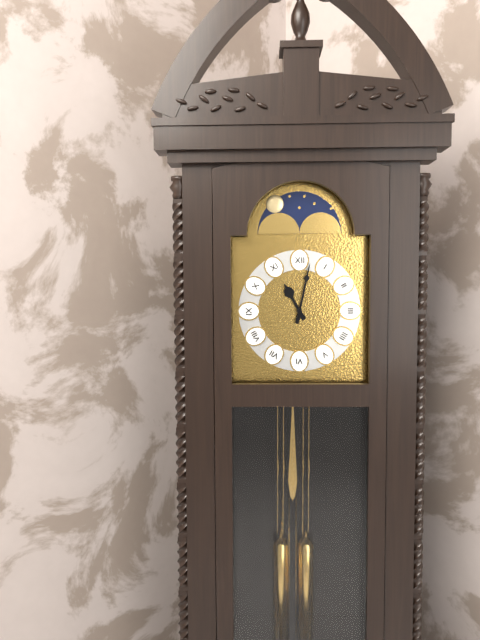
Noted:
11:02
